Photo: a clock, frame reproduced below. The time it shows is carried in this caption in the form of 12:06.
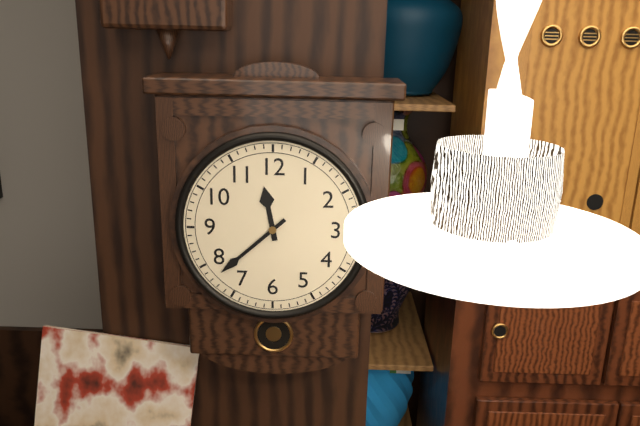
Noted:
11:38
